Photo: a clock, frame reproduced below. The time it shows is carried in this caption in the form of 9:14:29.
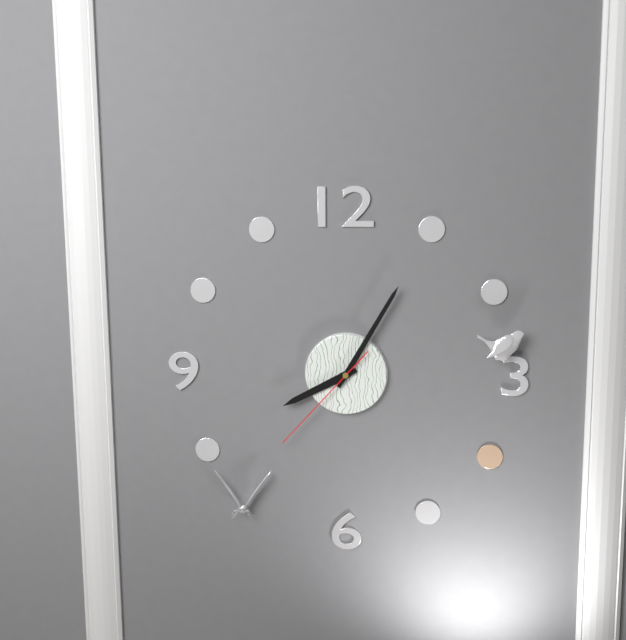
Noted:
8:05:37
